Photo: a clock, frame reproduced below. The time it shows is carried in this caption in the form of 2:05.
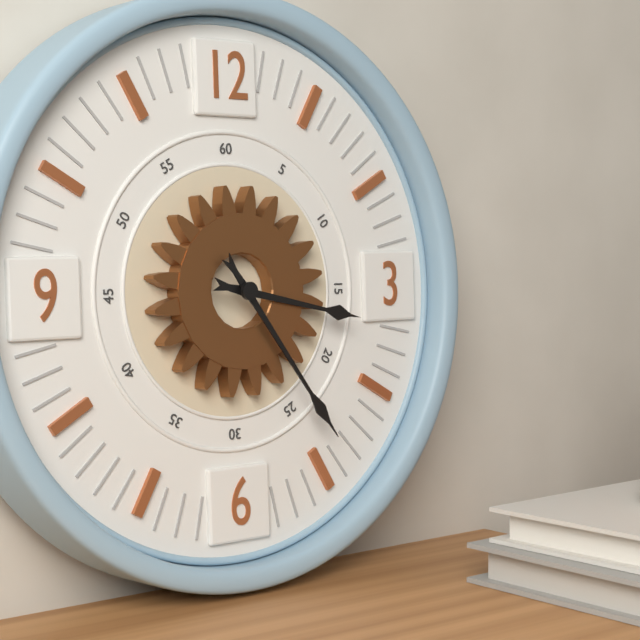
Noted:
3:24
